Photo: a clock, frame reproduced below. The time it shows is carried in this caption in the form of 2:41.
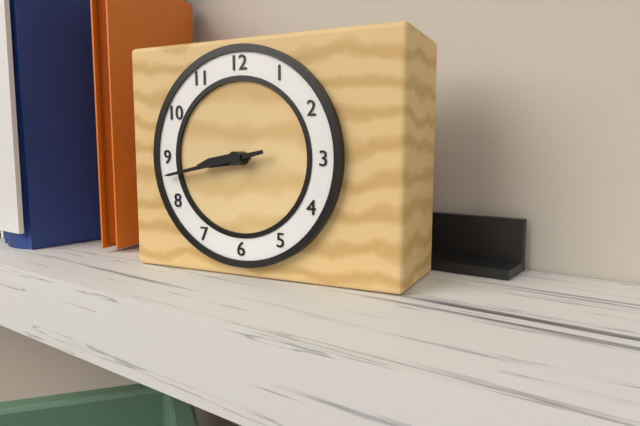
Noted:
8:43
